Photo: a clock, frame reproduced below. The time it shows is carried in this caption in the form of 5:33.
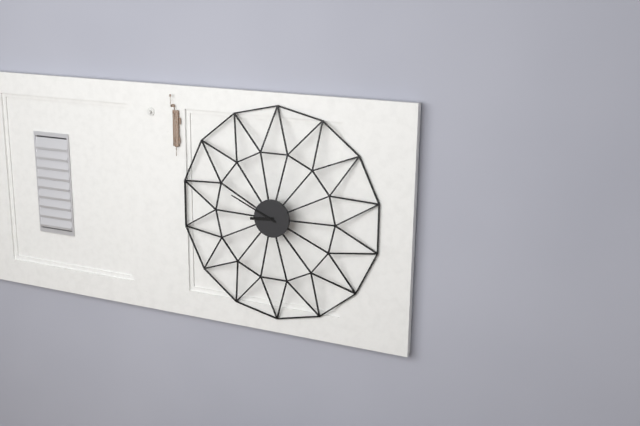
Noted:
8:49
